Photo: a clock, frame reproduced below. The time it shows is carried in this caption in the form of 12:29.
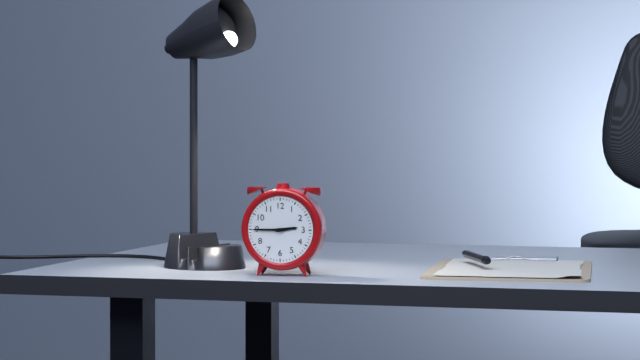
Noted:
2:45
